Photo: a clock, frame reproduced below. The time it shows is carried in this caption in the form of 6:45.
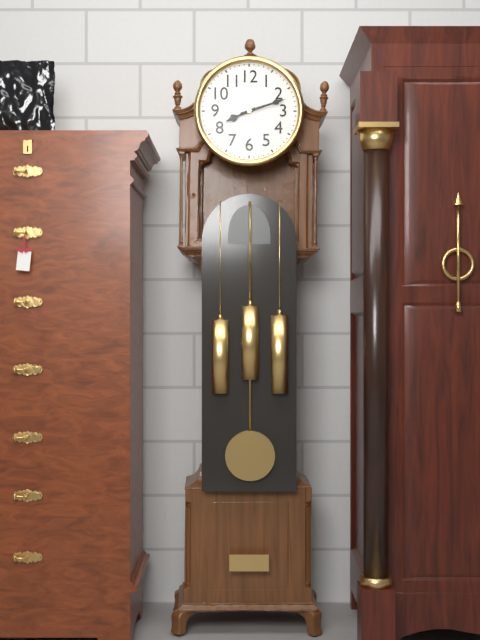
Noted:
8:12
